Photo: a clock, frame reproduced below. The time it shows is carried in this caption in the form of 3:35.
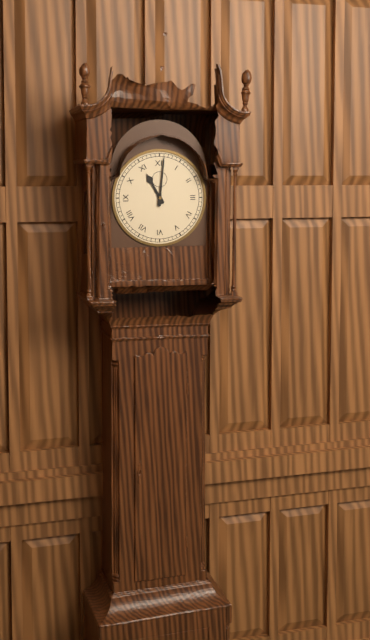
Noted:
11:01
